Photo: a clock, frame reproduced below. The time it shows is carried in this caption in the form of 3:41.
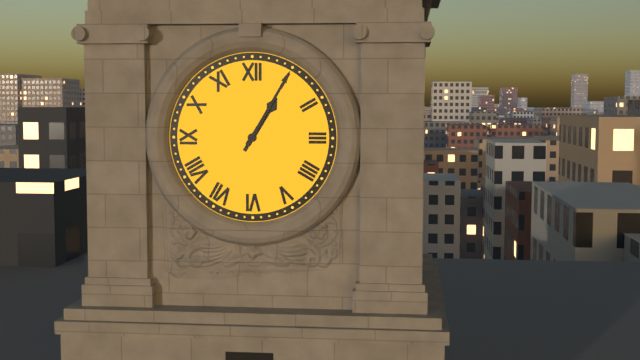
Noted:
1:05
